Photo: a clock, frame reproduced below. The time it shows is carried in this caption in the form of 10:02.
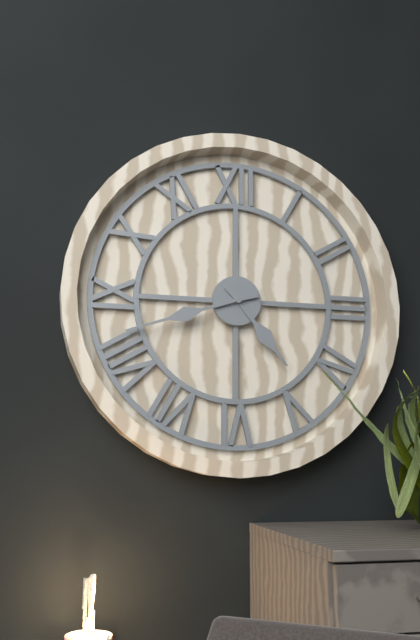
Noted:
4:42
